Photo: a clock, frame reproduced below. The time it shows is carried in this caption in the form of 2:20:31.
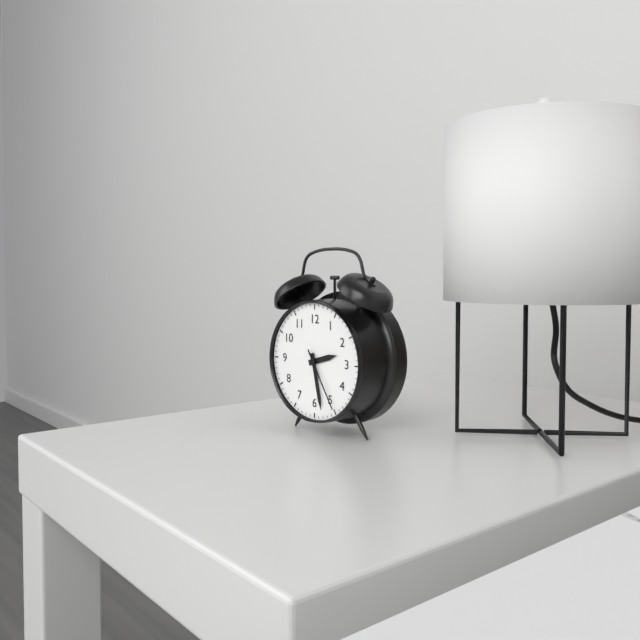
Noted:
2:28:25
